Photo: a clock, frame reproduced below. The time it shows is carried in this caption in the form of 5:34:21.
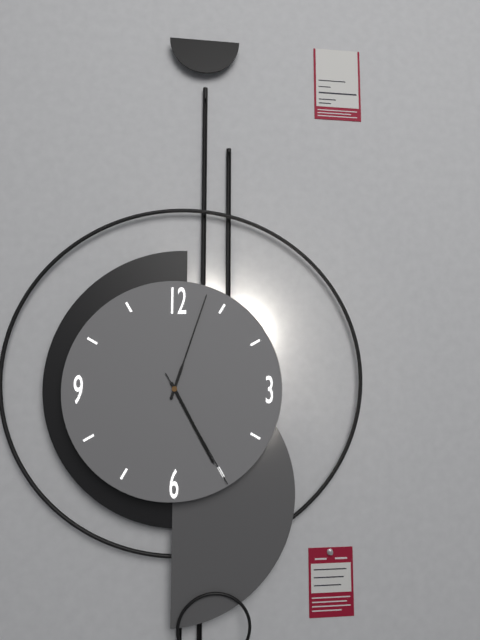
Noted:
5:03:25
